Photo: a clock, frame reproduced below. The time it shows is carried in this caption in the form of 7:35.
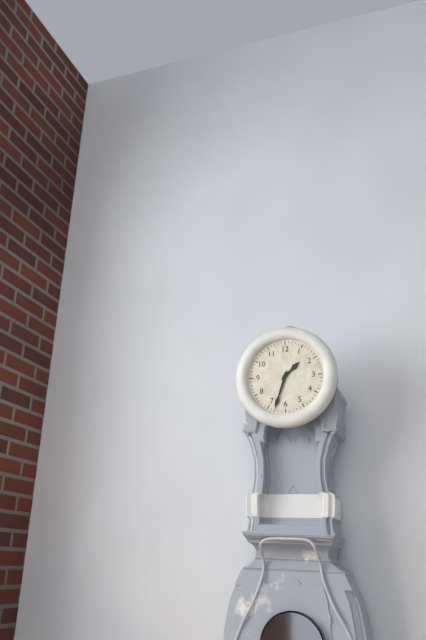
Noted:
1:33
